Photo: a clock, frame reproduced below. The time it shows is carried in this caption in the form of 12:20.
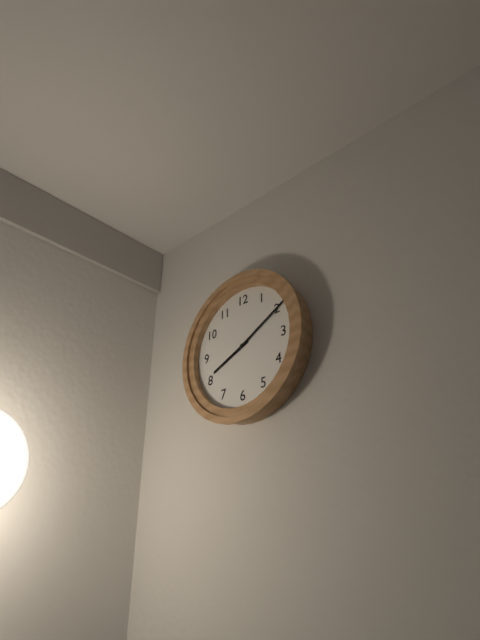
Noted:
8:10
